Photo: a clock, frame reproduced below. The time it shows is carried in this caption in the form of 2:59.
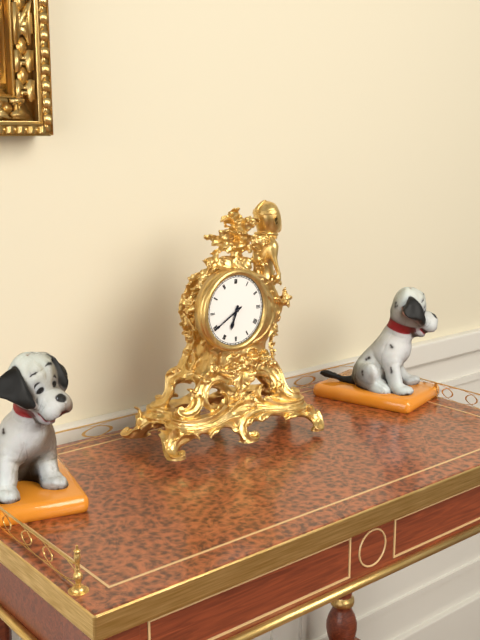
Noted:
6:40
